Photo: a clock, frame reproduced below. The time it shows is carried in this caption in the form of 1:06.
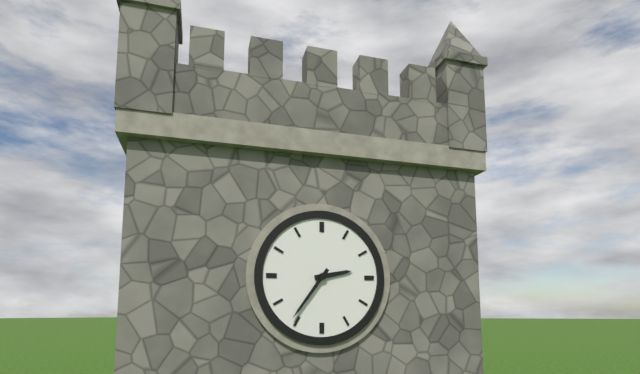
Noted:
2:36
